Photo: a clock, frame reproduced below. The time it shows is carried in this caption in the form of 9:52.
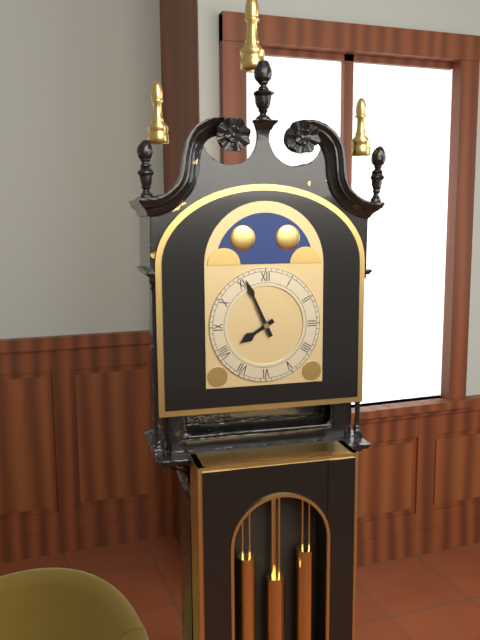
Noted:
7:56
